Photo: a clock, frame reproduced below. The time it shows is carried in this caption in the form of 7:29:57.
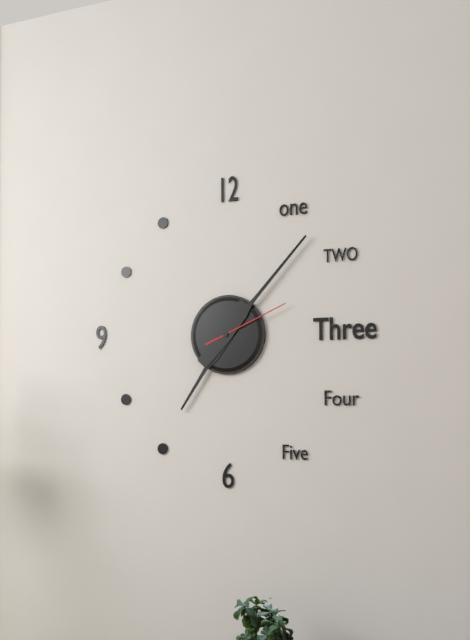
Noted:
7:07:11
